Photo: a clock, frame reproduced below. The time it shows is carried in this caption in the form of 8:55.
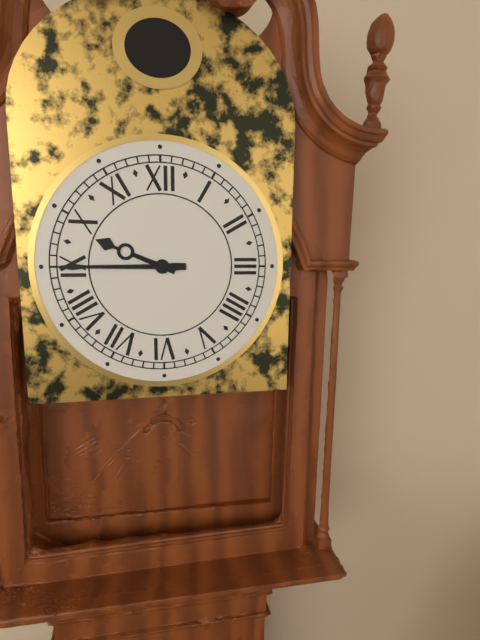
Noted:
9:45
